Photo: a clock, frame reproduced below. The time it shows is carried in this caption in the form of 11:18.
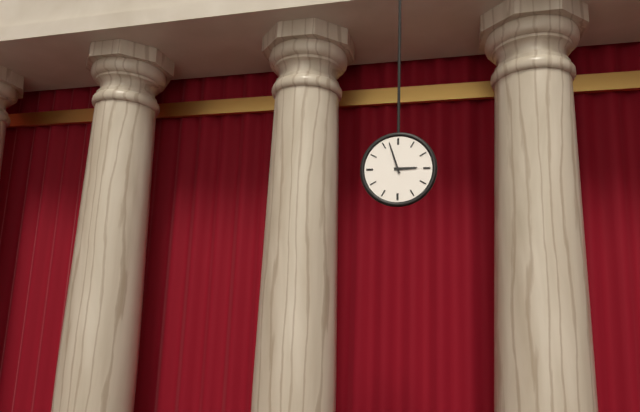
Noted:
2:57
